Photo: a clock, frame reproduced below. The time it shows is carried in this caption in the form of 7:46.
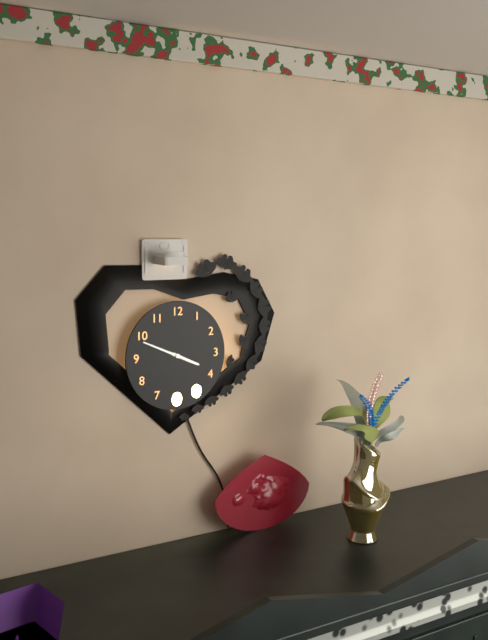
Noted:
3:49
